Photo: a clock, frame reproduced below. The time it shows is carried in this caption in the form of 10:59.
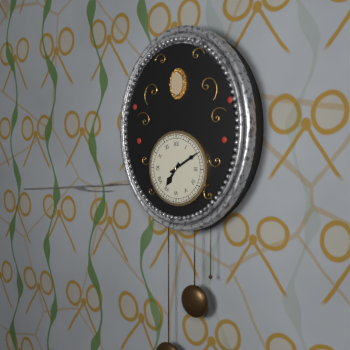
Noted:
7:10
